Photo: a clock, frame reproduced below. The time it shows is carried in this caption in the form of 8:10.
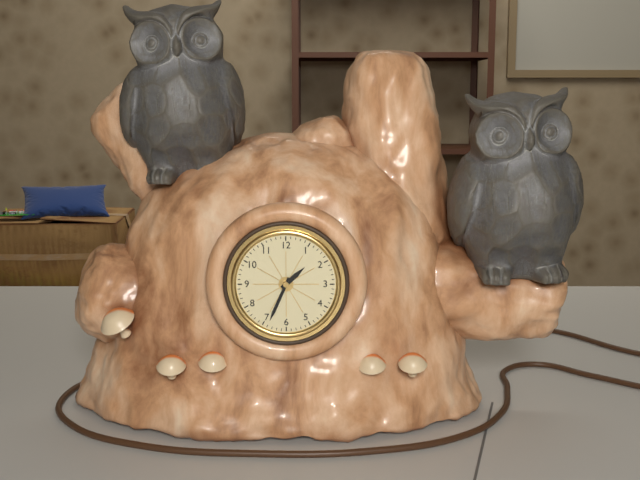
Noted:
1:34
